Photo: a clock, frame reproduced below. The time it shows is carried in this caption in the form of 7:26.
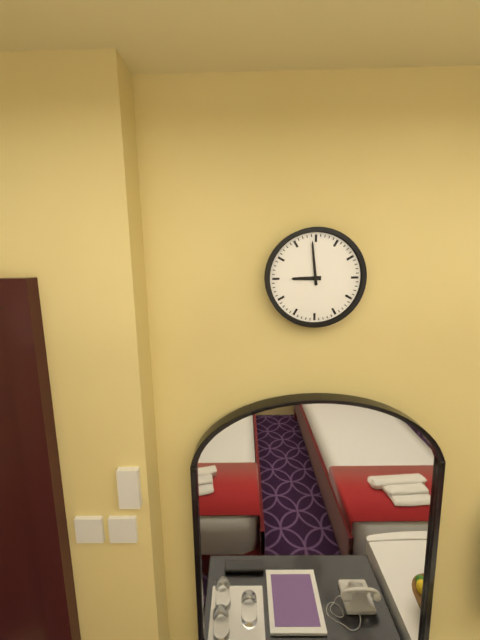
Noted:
8:59
